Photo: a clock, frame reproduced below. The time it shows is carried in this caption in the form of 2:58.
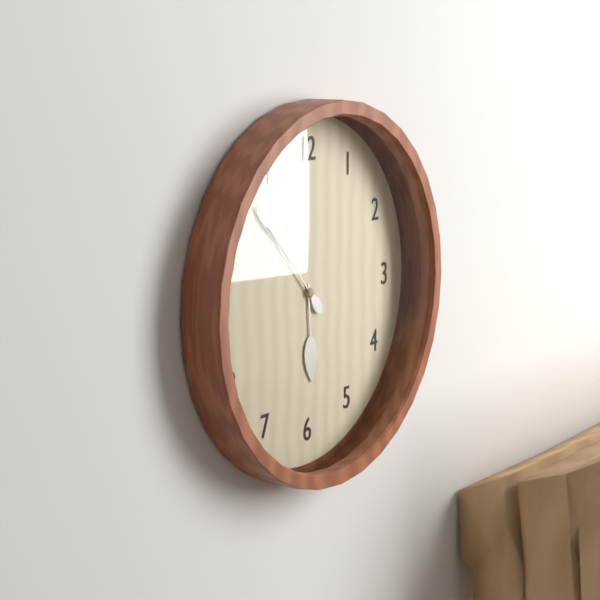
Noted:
5:53
